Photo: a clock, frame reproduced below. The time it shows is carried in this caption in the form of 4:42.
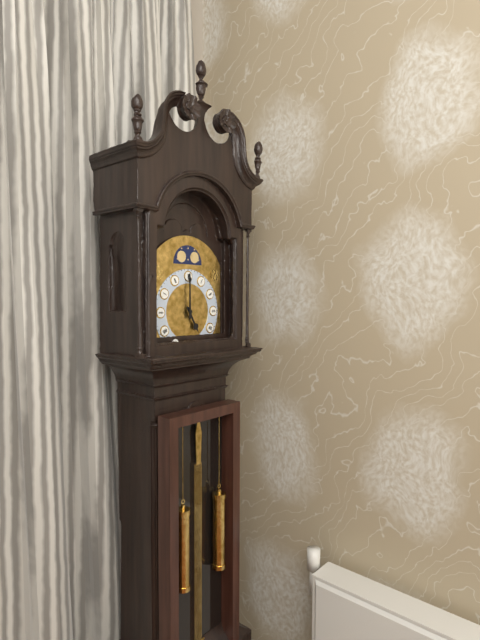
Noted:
5:00
